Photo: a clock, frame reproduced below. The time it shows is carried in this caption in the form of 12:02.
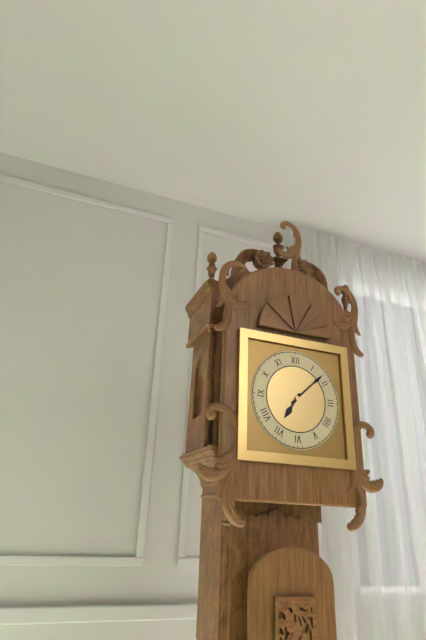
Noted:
7:08
